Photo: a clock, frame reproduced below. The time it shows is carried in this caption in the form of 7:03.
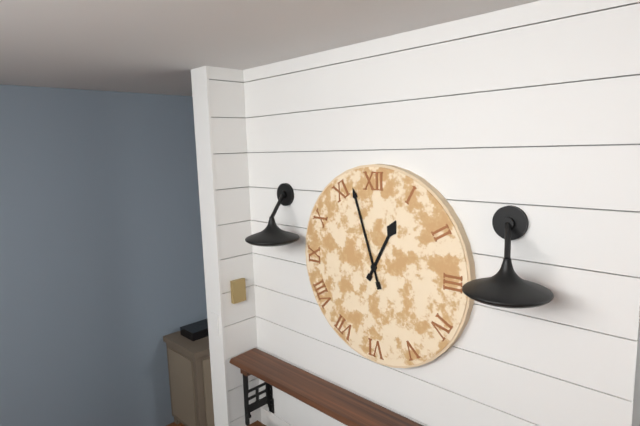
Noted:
12:57
